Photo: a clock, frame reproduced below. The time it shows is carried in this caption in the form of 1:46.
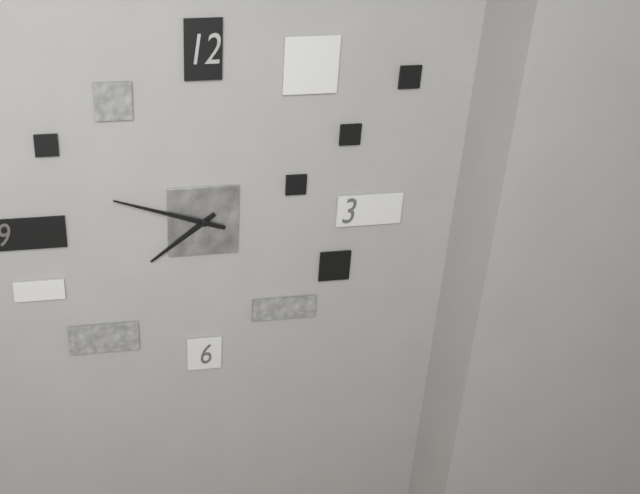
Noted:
7:48
